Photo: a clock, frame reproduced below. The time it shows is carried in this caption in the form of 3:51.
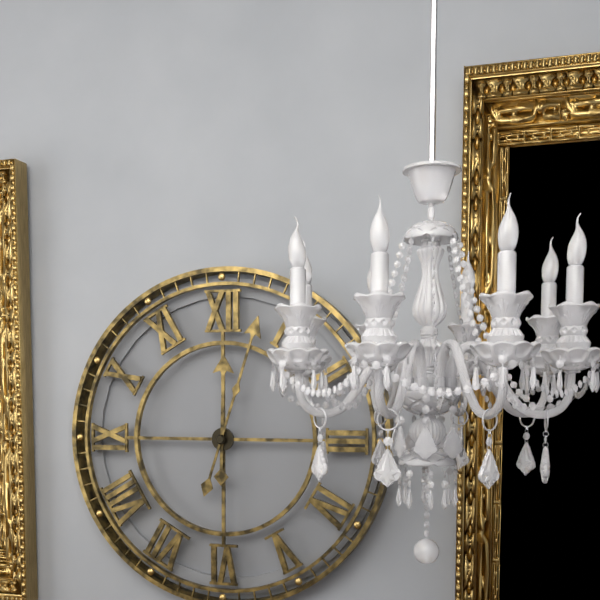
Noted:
12:03
